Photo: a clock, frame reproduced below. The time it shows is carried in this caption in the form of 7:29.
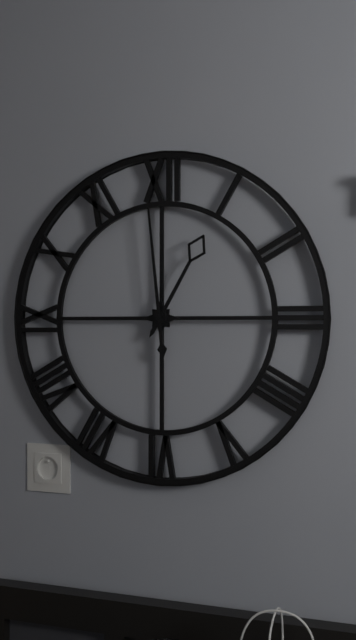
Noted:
12:59
